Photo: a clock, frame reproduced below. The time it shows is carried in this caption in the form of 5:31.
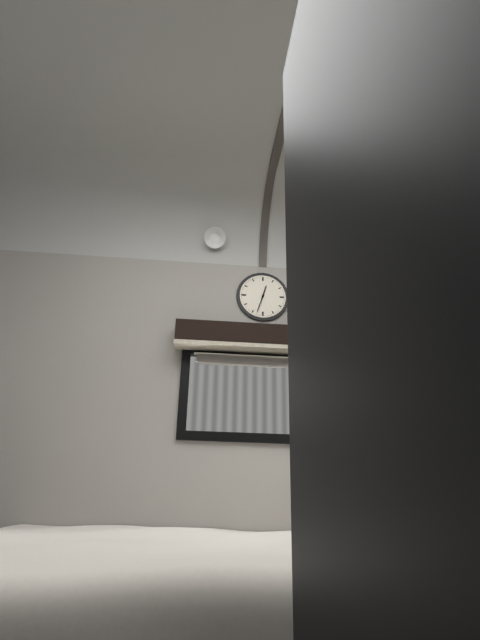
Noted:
12:33
